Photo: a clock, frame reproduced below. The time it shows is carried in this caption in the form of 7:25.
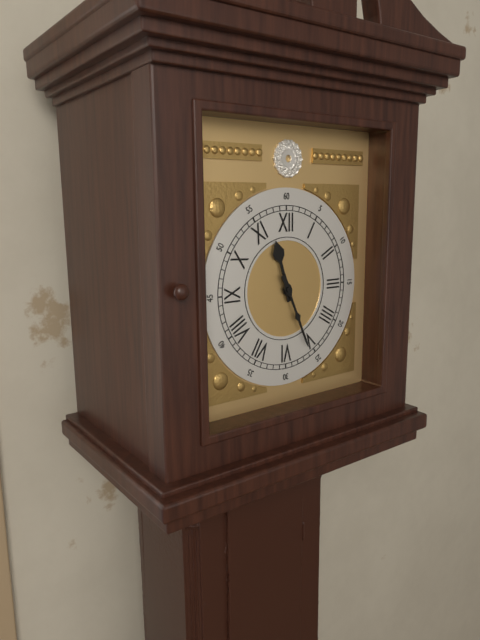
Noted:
11:26
